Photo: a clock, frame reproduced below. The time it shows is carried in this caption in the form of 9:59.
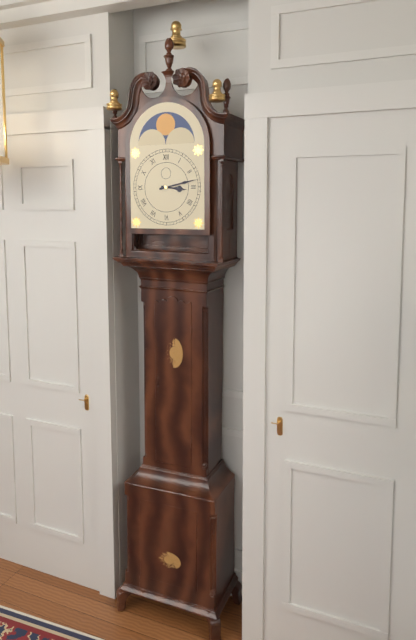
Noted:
3:13
